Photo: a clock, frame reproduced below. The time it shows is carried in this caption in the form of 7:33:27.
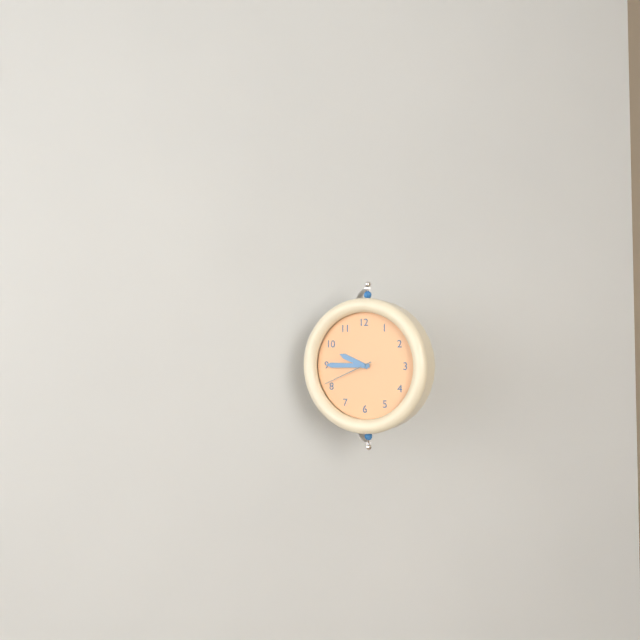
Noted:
9:45:41
